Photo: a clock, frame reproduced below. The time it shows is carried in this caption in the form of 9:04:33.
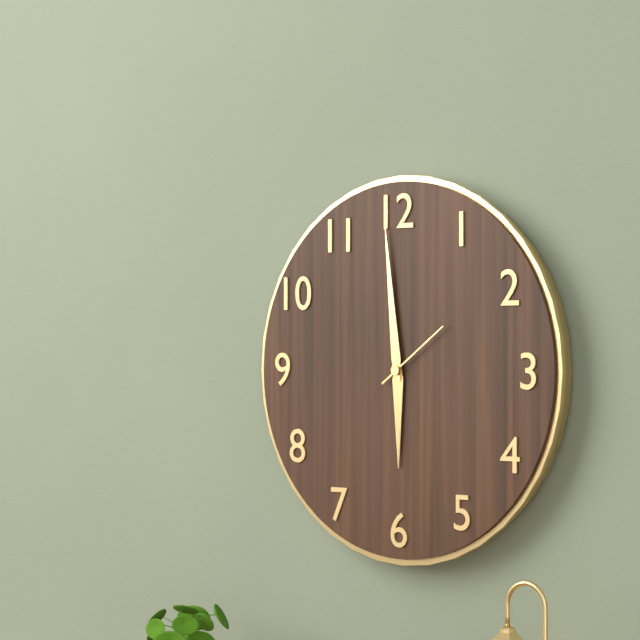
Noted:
5:59:09
